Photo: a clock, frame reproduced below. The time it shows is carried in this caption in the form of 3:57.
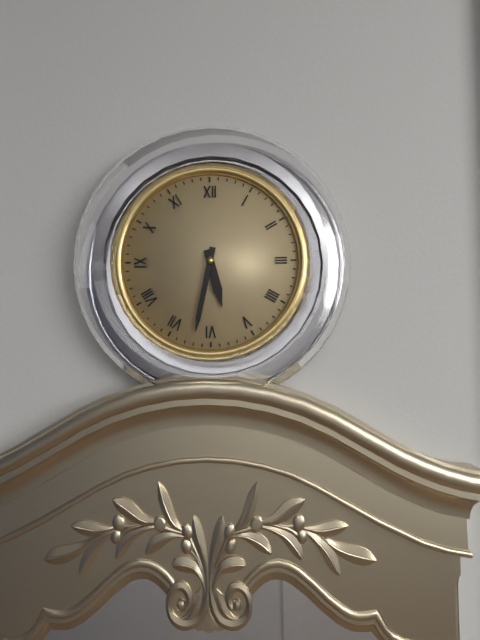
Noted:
5:32
